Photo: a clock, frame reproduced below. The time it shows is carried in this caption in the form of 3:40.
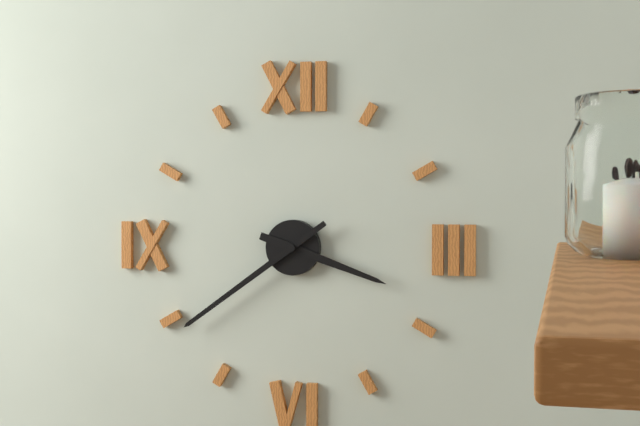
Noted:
3:39
